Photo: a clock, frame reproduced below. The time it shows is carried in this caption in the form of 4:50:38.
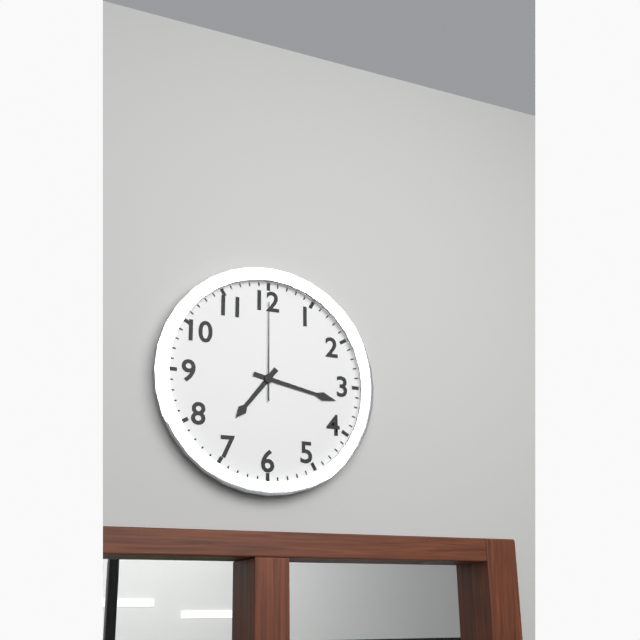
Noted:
7:17:00
